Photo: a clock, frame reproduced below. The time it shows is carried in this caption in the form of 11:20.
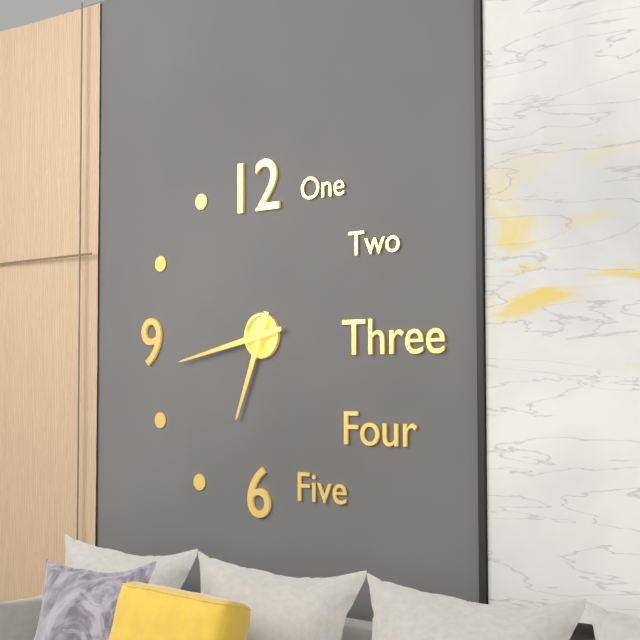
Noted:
6:43
